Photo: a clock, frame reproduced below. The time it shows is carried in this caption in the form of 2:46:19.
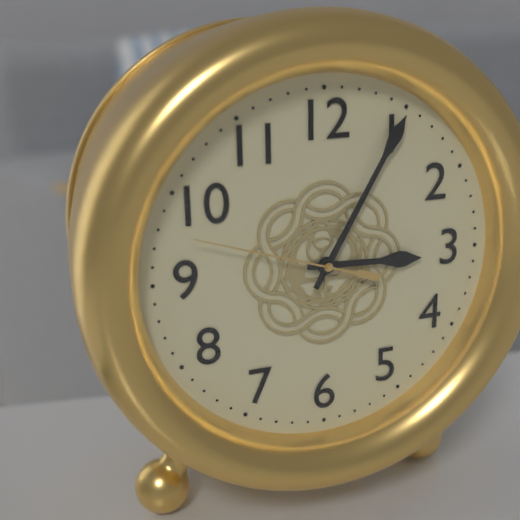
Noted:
3:05:48
